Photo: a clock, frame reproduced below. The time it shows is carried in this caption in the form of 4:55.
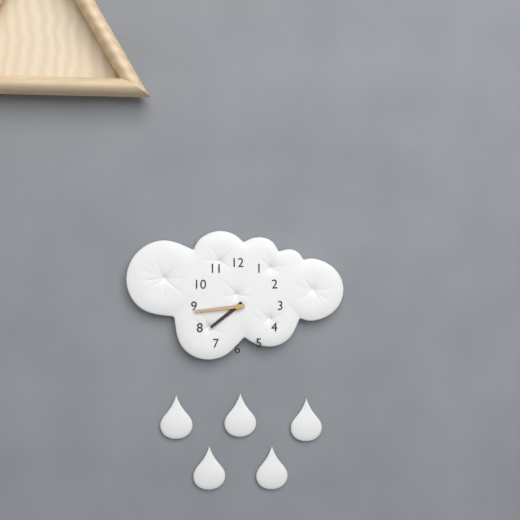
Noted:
7:44
